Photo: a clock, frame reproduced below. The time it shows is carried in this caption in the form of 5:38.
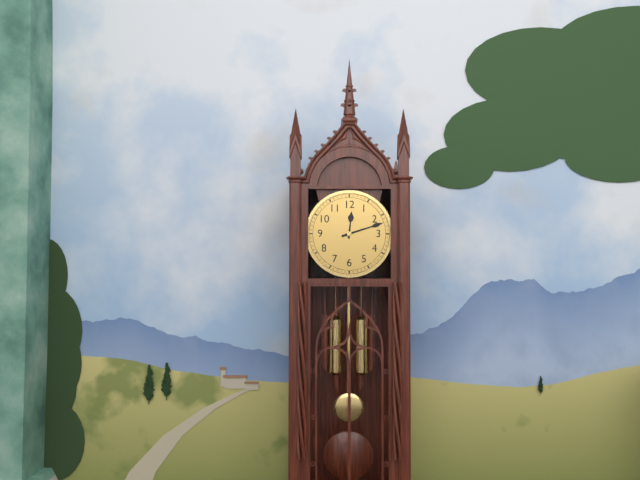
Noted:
12:12
